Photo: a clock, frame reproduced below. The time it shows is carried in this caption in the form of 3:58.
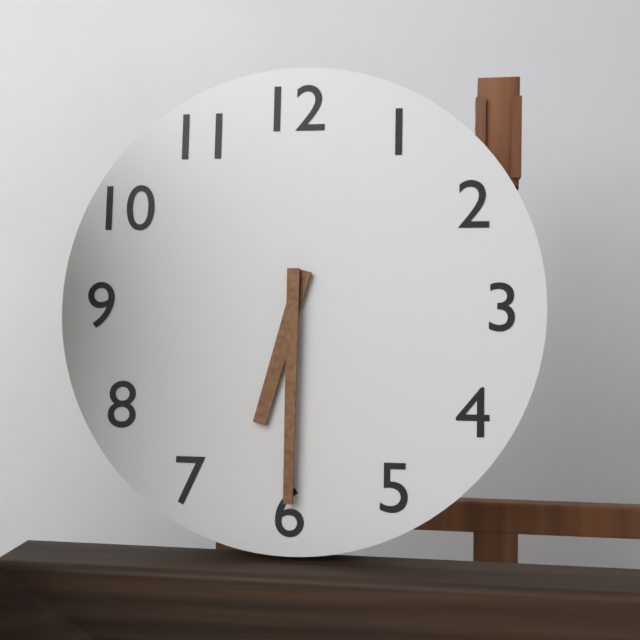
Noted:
6:30
